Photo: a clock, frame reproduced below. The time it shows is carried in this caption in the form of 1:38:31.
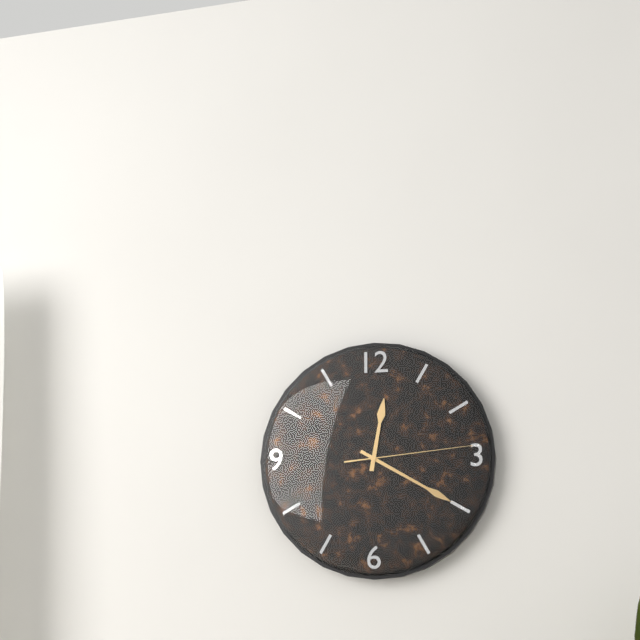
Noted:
12:20:14
